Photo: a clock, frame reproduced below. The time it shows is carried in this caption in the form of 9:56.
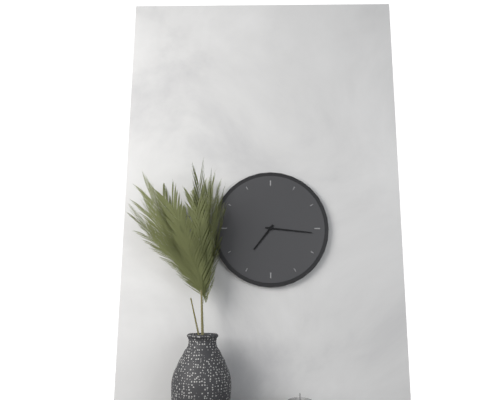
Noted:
7:16
